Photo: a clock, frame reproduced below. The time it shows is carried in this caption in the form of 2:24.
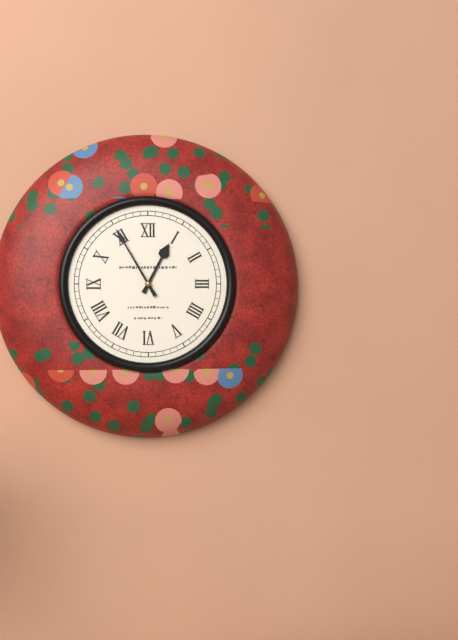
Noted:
12:55
